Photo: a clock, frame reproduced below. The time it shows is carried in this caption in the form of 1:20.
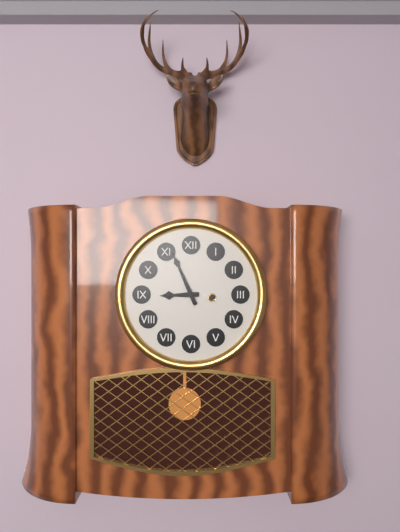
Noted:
8:56
